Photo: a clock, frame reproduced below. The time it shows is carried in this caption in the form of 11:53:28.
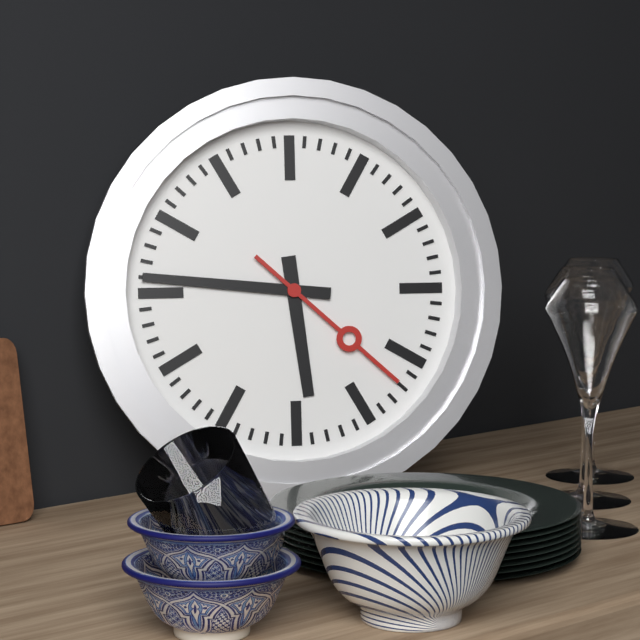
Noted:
5:46:22
